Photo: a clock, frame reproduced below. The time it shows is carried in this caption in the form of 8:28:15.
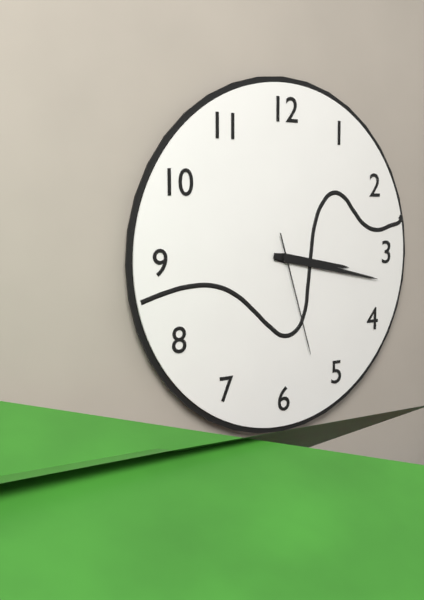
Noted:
3:17:27
